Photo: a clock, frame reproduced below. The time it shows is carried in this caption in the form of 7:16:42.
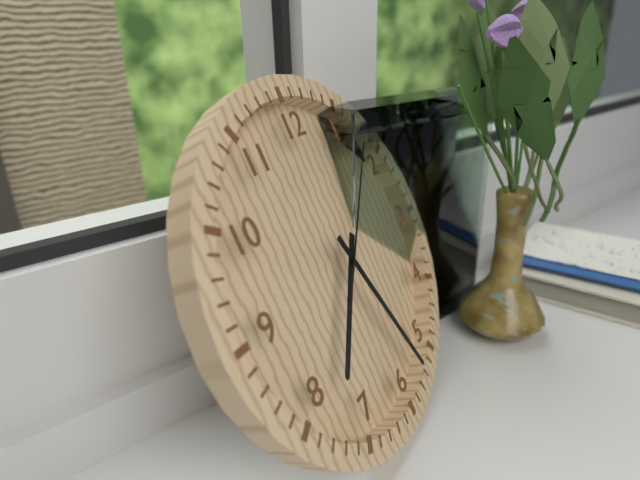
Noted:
7:27:08
